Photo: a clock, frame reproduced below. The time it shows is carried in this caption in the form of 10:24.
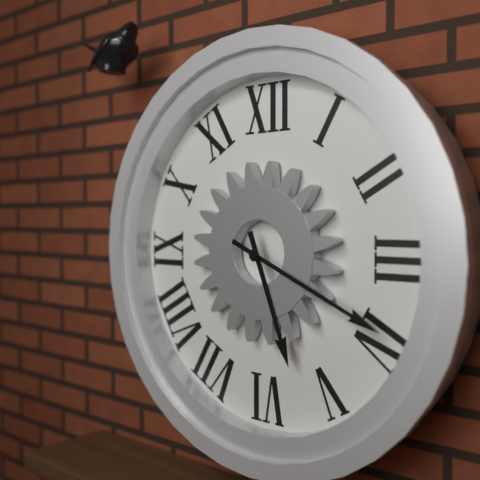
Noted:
5:19
